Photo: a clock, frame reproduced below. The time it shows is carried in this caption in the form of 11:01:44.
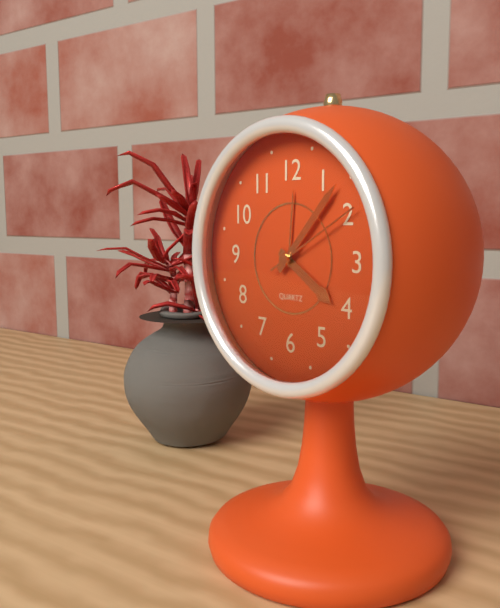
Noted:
4:07:10
